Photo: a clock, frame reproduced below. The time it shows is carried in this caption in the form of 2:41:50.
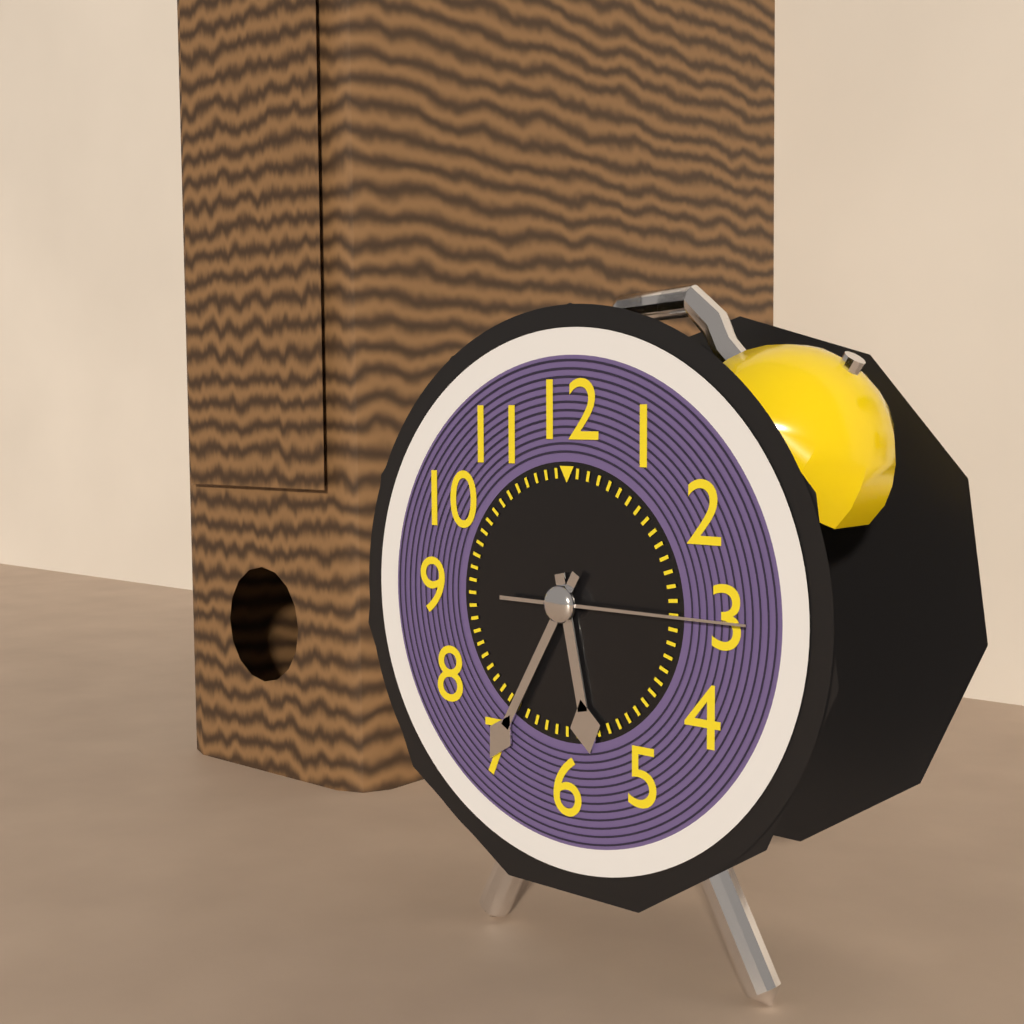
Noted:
5:35:15
